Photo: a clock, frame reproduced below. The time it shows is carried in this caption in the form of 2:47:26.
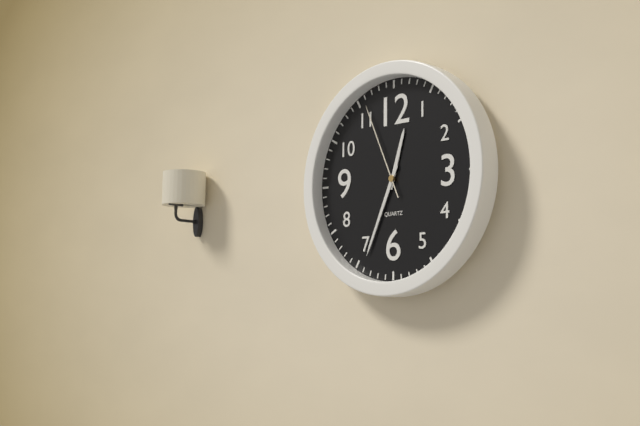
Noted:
12:34:56
